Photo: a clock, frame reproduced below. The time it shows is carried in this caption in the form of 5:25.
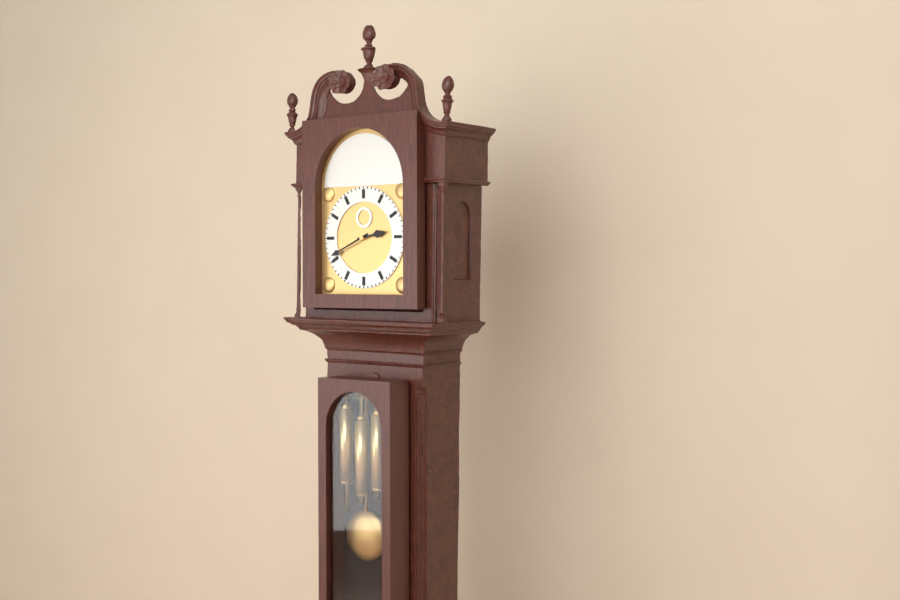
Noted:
2:41
